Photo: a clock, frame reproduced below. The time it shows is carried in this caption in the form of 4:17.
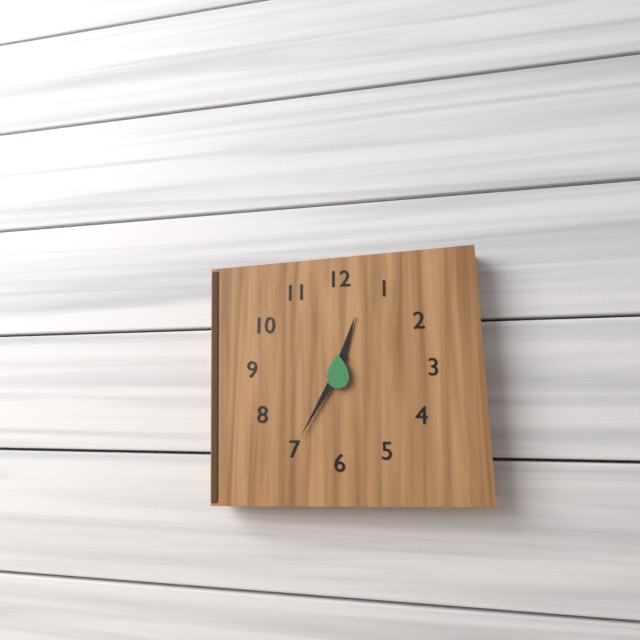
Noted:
12:35
